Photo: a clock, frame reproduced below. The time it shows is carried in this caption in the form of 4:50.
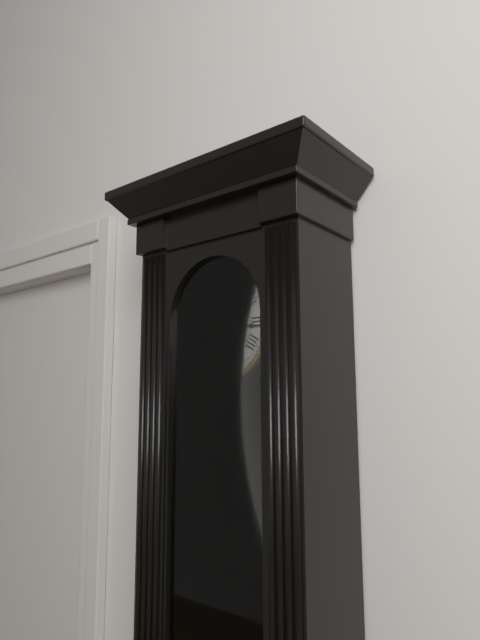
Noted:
5:16
